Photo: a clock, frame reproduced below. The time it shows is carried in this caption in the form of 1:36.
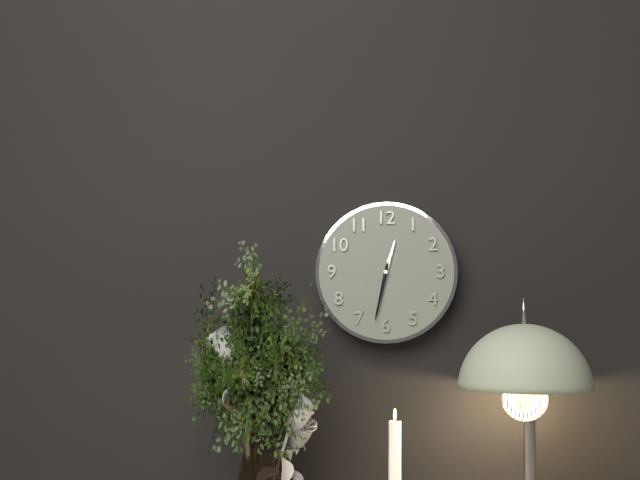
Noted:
12:32
